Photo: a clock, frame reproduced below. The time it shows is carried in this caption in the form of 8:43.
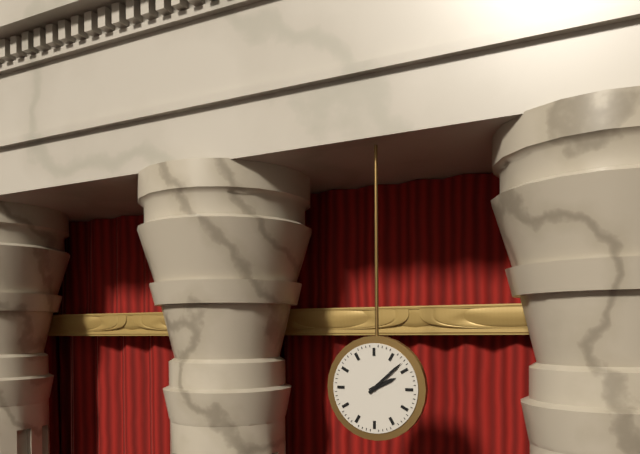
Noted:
2:08
